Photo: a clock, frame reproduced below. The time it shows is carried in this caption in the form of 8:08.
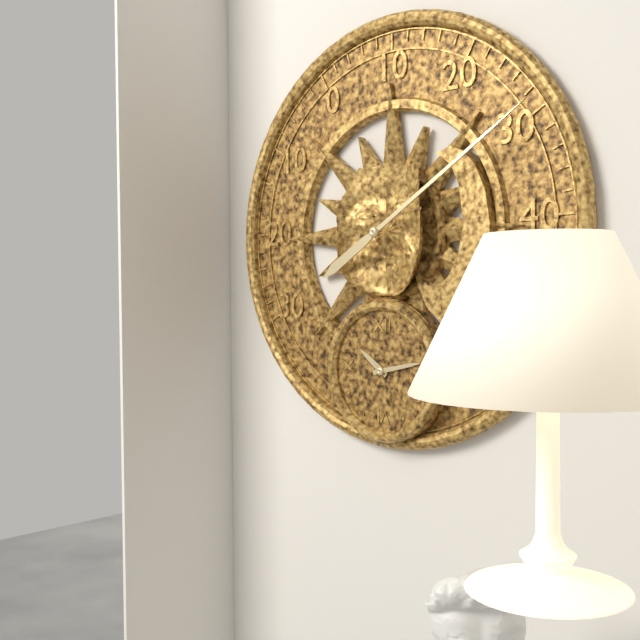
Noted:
10:13
